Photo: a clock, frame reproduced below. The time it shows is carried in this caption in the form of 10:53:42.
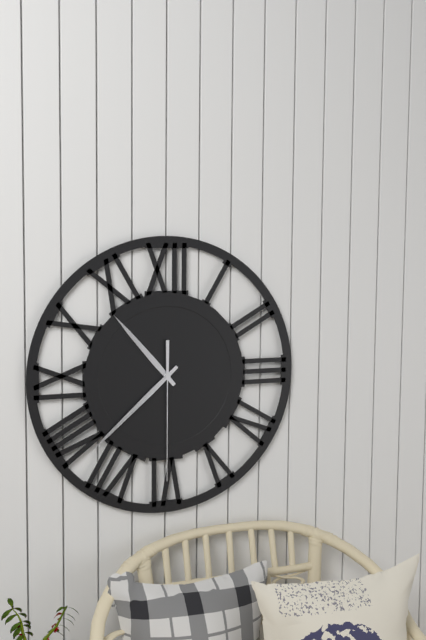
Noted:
10:38:30
